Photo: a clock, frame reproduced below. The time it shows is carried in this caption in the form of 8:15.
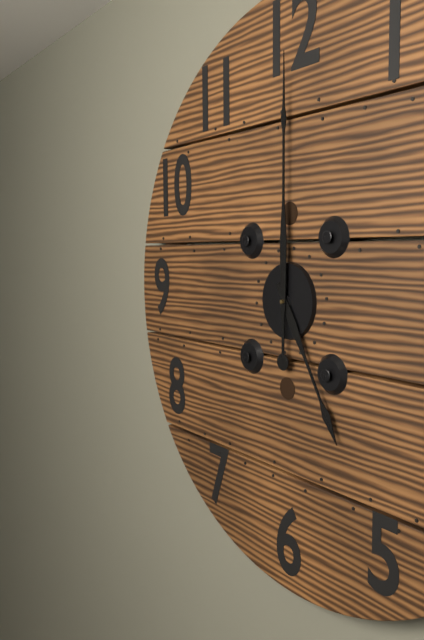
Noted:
5:00
